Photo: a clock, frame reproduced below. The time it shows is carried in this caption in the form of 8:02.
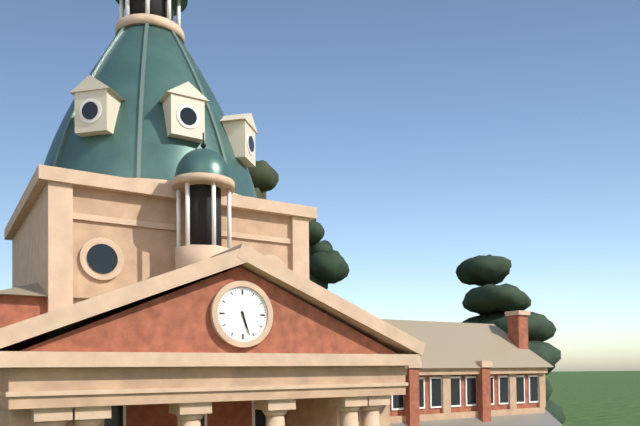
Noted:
5:27
